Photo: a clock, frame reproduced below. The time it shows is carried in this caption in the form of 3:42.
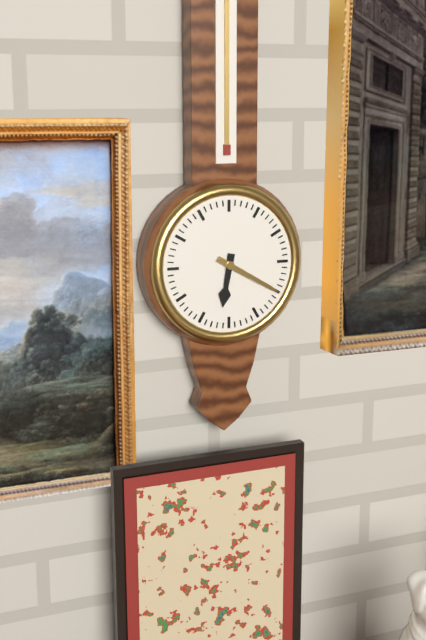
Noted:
6:20
